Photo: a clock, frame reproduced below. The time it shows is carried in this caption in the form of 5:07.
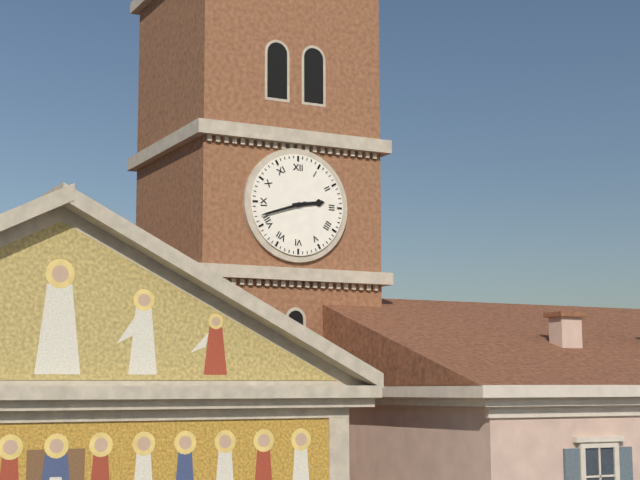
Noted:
2:42
